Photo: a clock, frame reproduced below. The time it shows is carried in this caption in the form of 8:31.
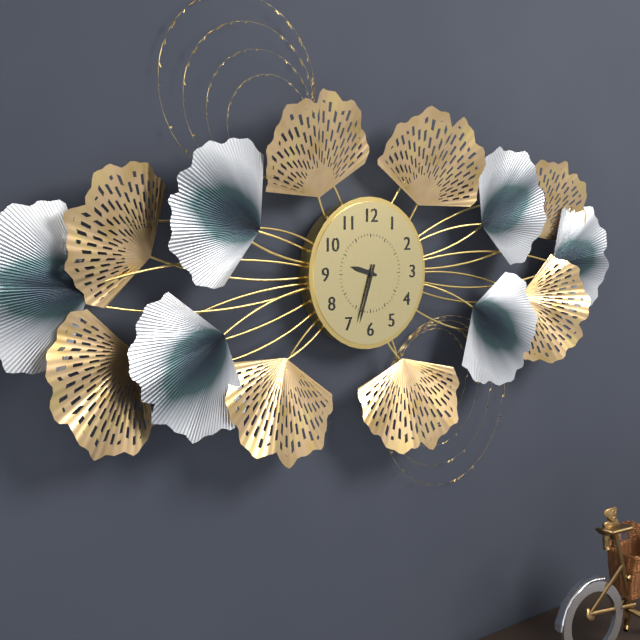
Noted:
9:33
